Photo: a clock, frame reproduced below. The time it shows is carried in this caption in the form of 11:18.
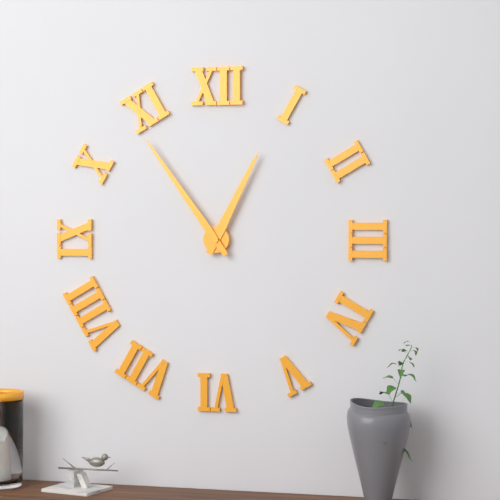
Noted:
12:54
